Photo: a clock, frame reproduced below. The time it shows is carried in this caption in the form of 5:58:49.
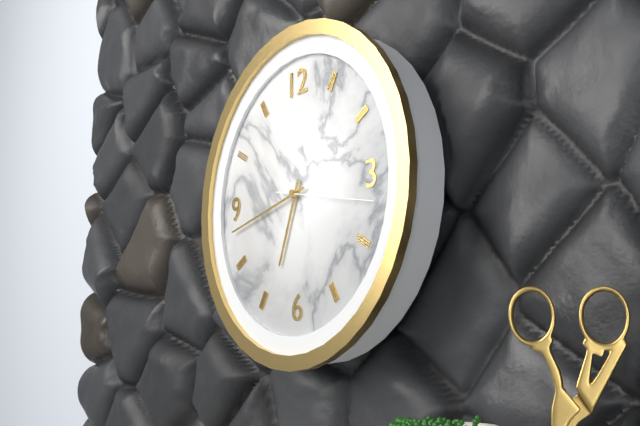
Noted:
6:43:17
